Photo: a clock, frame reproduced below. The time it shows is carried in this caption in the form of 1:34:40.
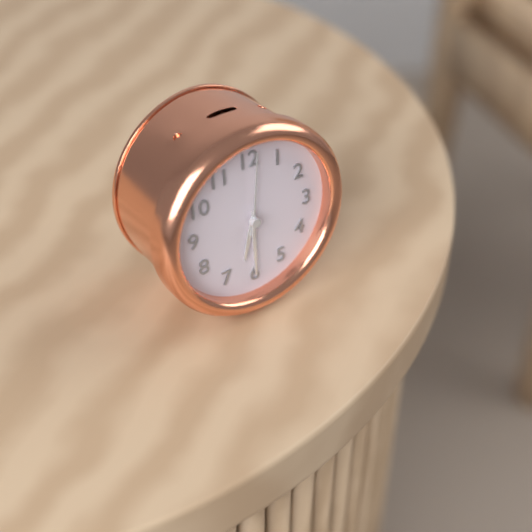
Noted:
6:30:01
